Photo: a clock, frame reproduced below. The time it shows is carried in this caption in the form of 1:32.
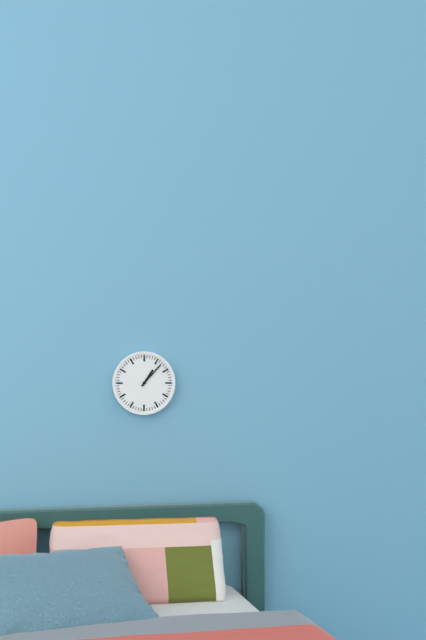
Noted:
1:07
